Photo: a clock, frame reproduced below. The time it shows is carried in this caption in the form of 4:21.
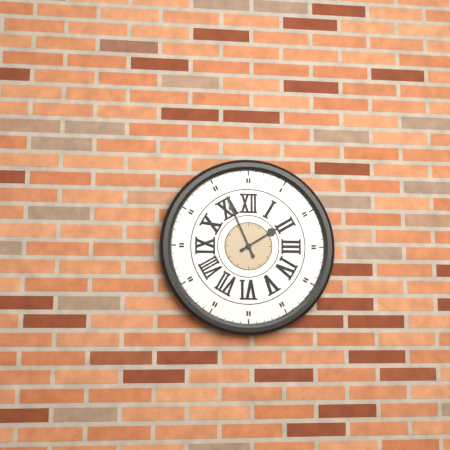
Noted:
1:56
